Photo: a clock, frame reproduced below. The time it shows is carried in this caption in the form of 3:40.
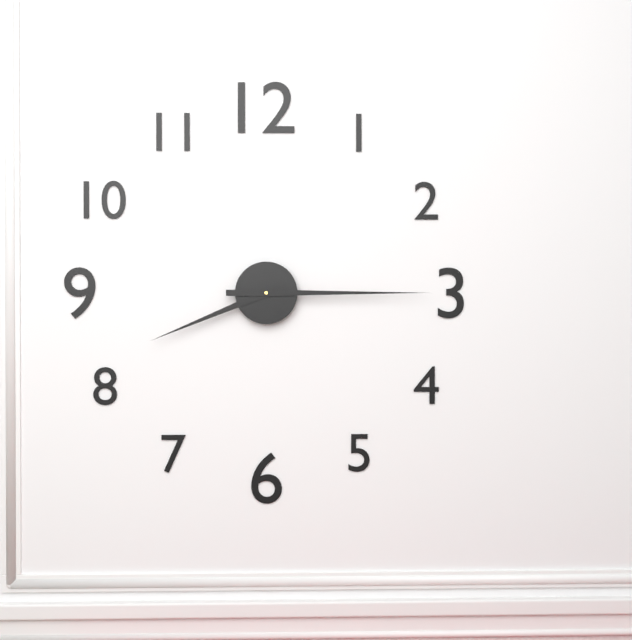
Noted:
8:15
